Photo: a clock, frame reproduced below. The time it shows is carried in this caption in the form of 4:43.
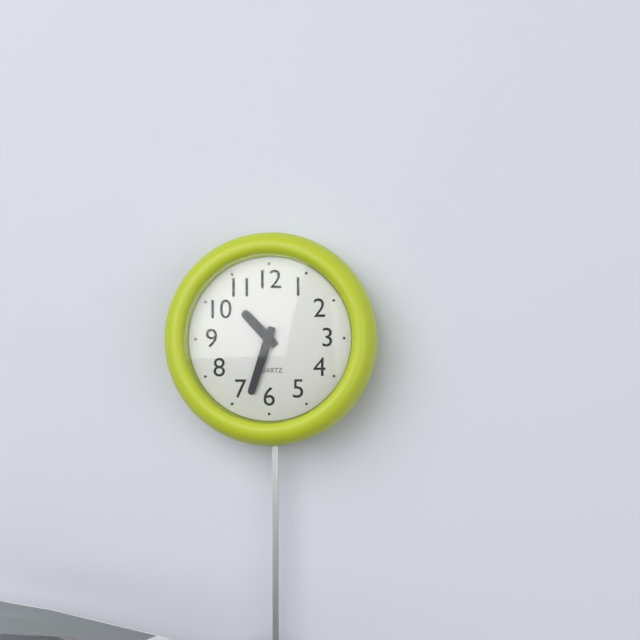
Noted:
10:33
